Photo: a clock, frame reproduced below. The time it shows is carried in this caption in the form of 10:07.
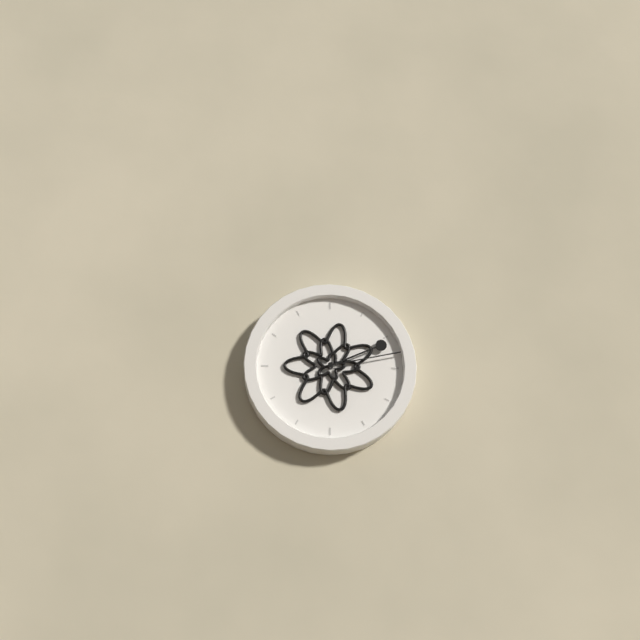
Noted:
2:13
